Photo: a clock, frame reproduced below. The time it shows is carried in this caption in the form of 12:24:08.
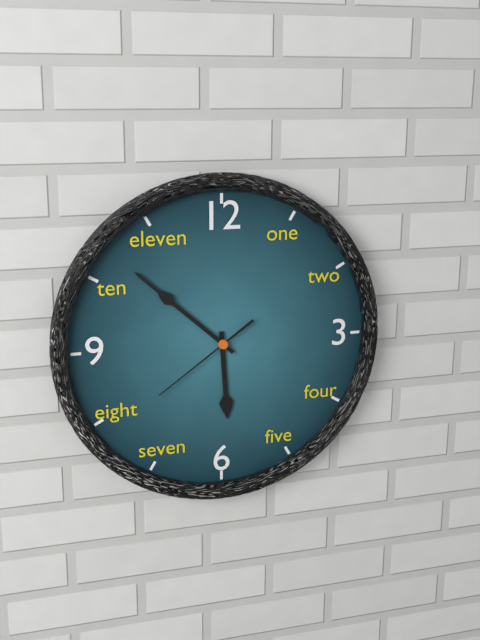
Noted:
5:52:39
